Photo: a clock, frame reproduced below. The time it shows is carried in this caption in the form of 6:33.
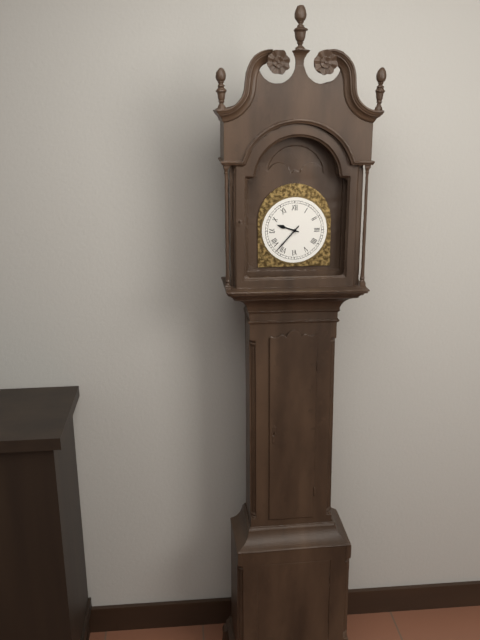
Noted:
9:37
